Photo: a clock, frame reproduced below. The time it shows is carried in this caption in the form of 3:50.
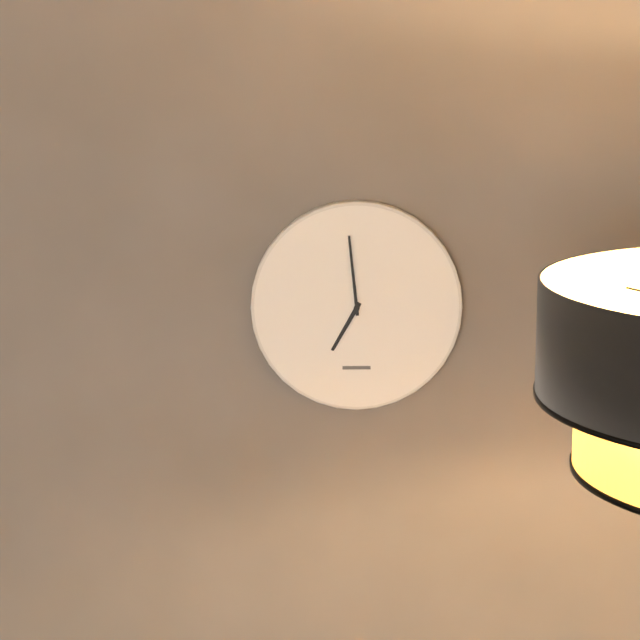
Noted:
6:59
